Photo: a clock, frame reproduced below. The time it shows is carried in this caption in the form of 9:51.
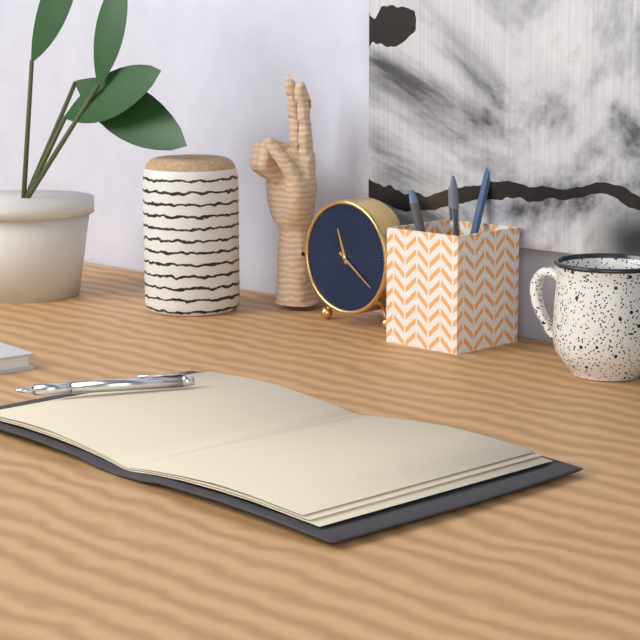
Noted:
11:21
